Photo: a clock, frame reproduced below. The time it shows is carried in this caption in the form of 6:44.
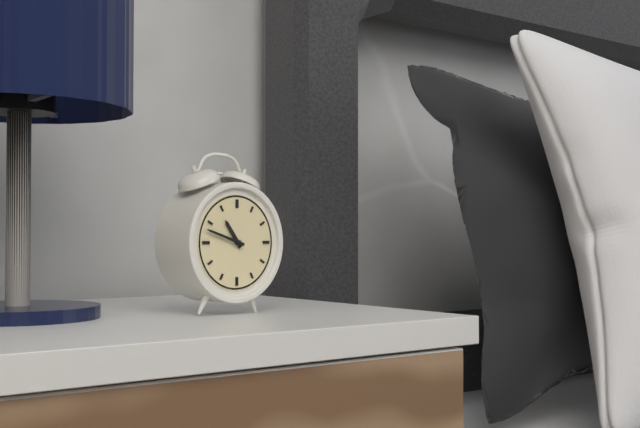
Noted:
10:48
